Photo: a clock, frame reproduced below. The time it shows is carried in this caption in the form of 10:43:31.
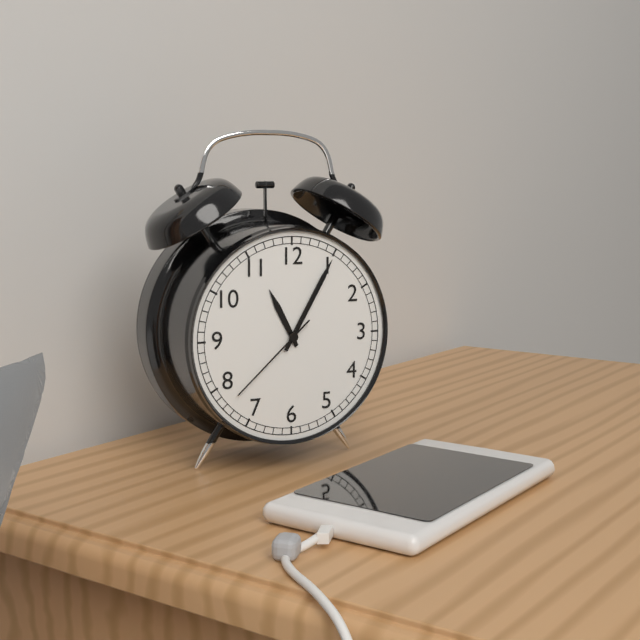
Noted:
11:05:38
